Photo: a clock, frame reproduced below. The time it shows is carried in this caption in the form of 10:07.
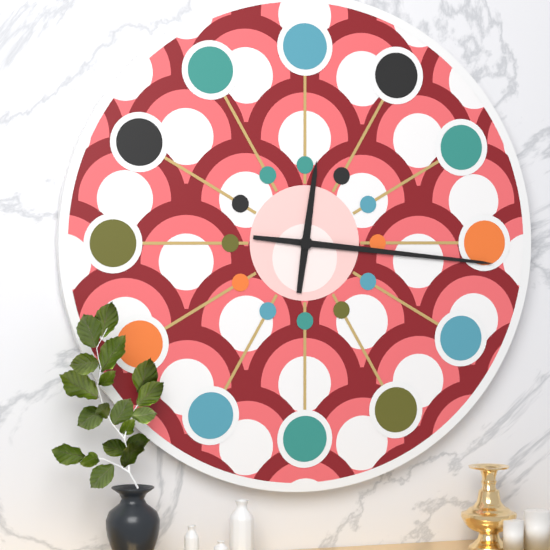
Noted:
12:16
